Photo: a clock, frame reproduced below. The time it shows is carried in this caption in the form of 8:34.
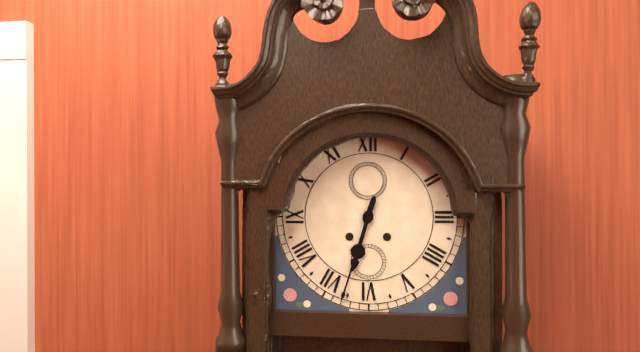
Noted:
6:33
